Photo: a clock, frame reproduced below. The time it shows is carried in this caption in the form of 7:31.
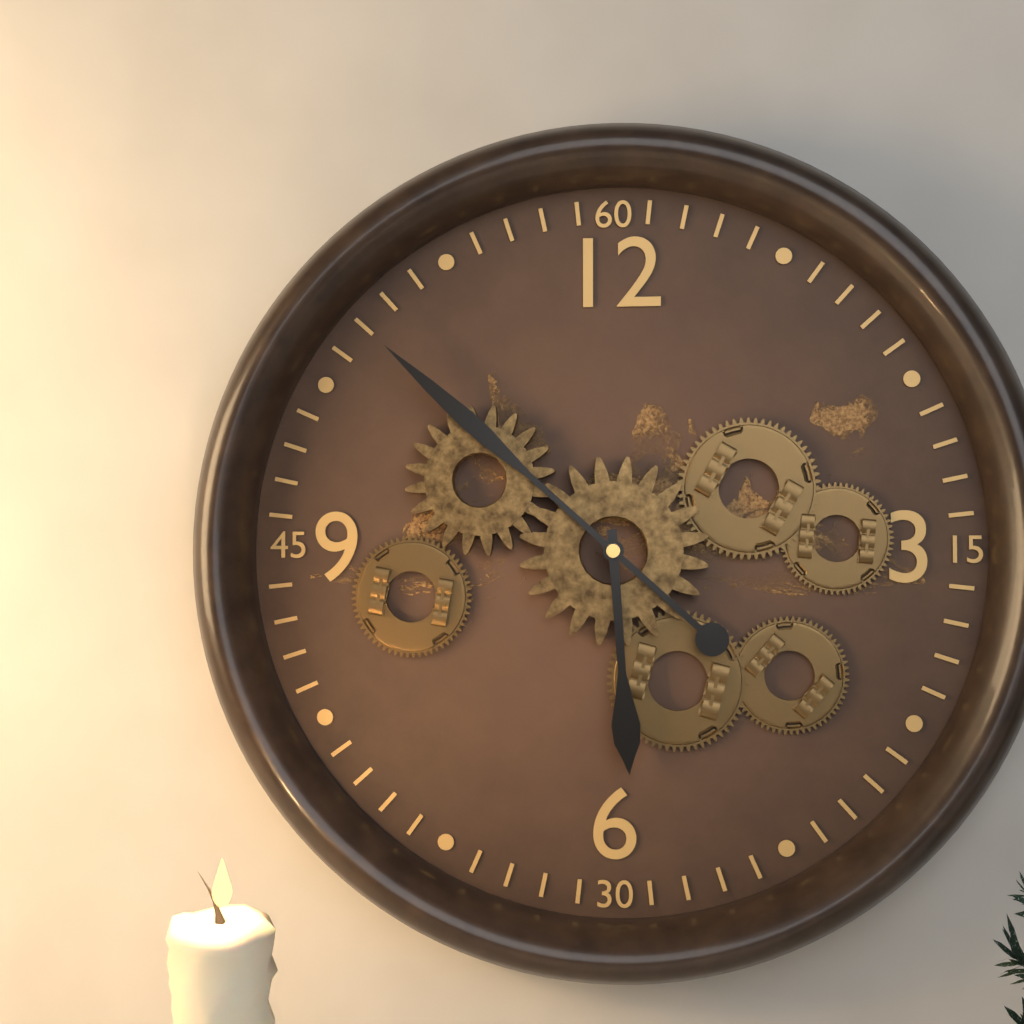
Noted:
5:52
